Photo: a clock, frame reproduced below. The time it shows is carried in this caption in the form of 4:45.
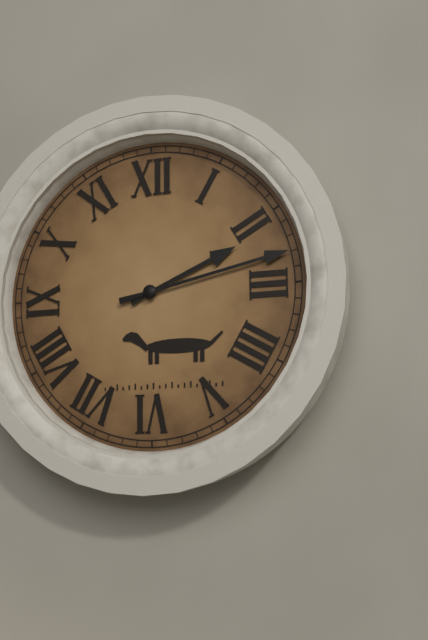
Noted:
2:13
